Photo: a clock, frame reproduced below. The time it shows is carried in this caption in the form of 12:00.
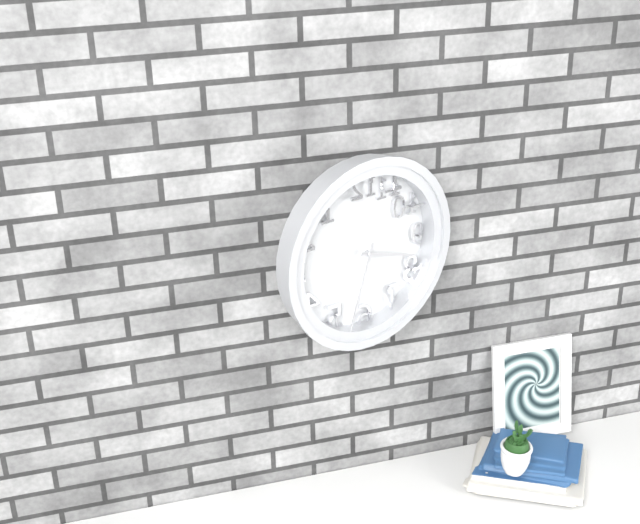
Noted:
3:33
